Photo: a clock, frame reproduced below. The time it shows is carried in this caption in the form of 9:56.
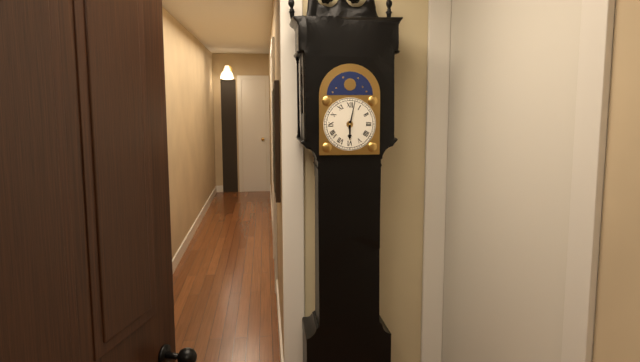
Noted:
6:02
